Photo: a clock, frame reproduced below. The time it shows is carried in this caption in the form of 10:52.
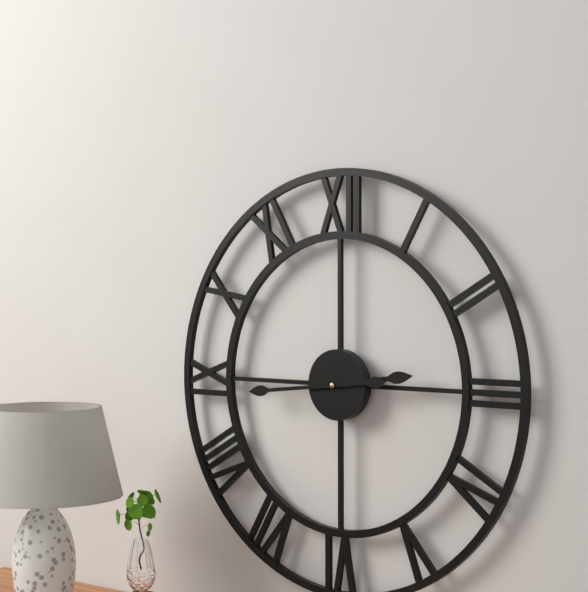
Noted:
2:44
